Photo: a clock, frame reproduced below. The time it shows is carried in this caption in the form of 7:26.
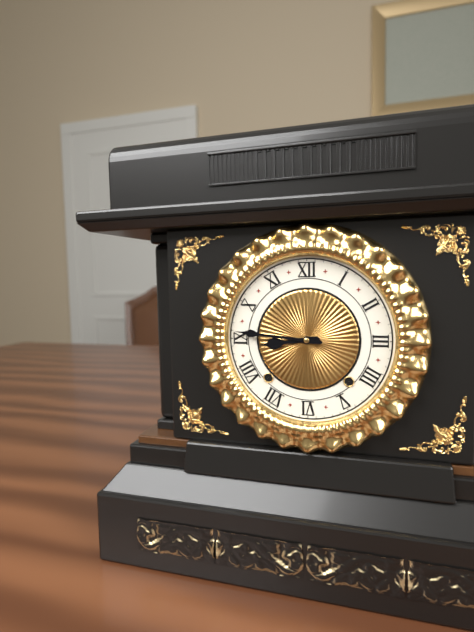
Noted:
8:46
